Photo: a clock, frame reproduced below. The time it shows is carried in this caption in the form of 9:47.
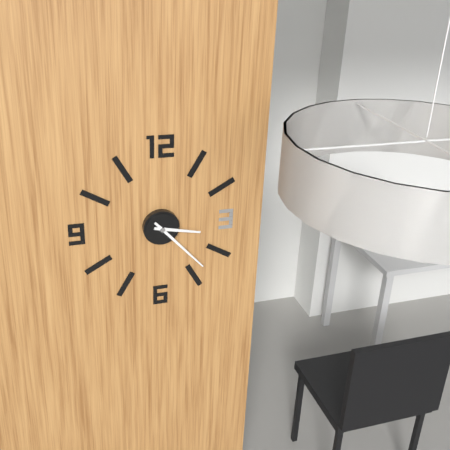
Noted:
3:23
